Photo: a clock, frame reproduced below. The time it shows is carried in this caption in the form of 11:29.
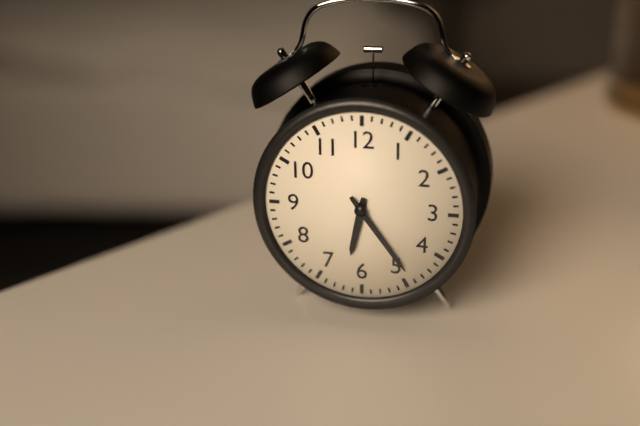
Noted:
6:24
